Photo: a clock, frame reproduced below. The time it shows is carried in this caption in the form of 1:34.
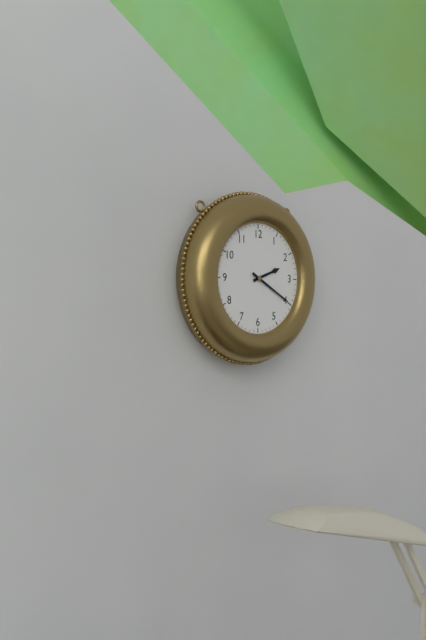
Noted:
2:20
